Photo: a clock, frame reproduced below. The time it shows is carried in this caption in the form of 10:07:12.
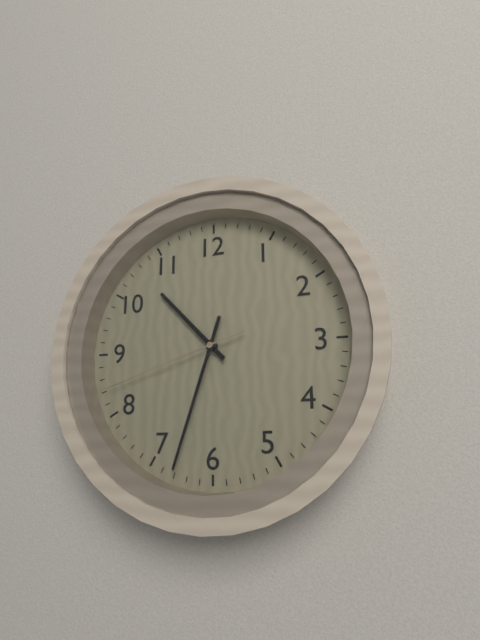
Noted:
10:33:42
